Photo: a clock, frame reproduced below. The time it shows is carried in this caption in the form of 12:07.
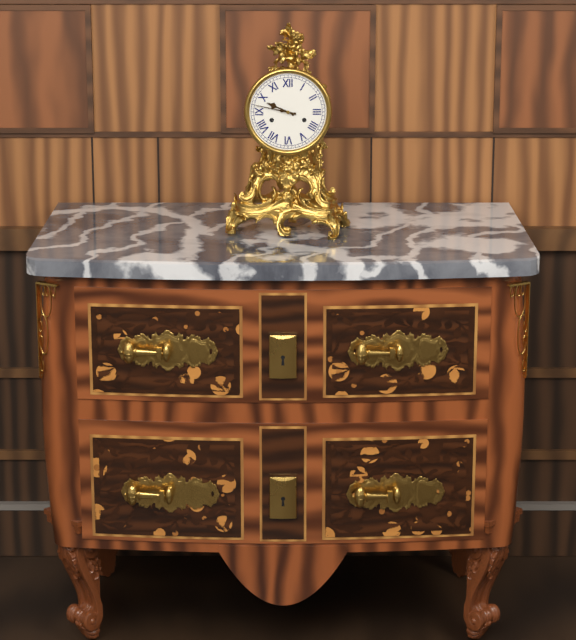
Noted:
9:47
